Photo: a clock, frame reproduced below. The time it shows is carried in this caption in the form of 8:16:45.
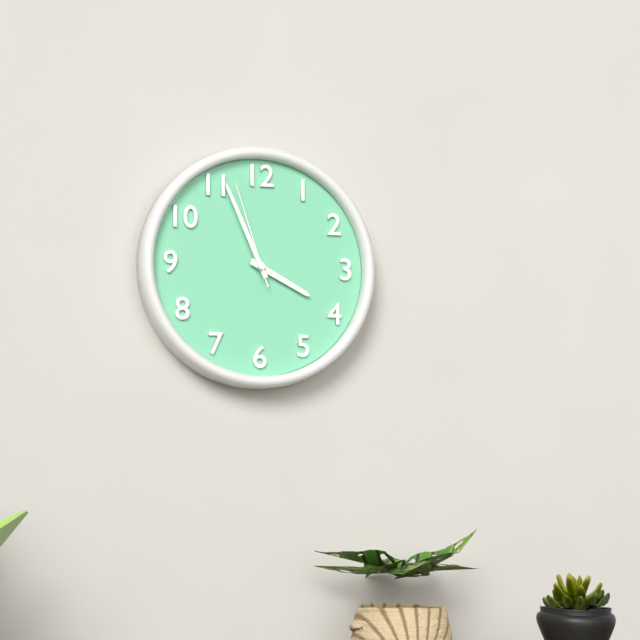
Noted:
3:56:57
